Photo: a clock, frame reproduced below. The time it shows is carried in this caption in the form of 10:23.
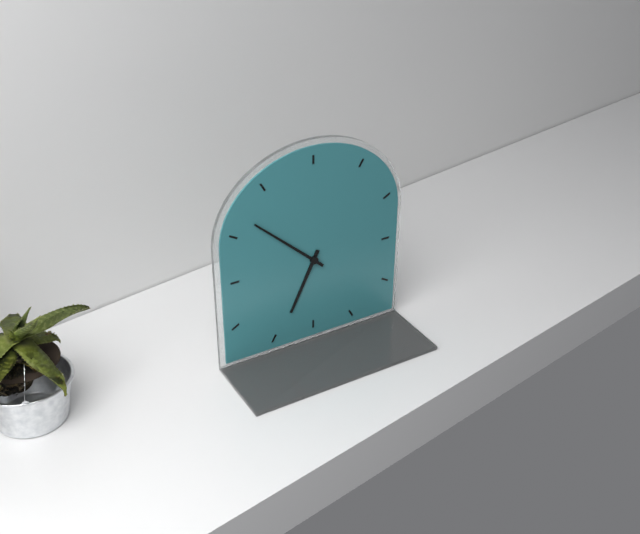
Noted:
6:52
